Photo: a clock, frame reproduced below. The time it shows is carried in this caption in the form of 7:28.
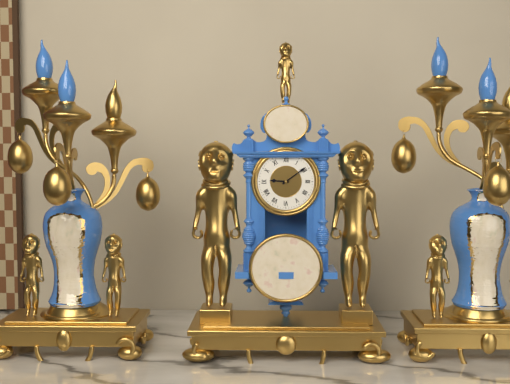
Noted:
9:09
